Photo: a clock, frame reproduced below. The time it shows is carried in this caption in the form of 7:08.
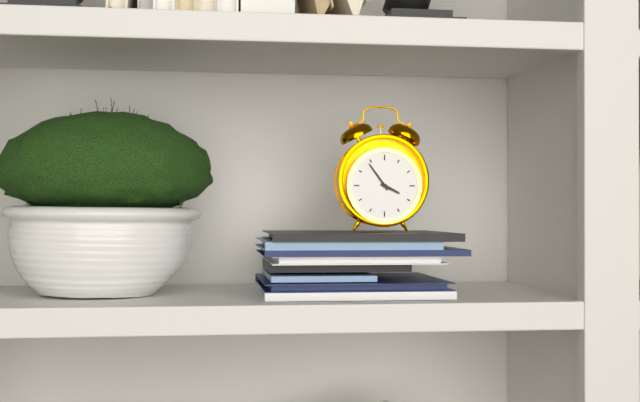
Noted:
3:54
